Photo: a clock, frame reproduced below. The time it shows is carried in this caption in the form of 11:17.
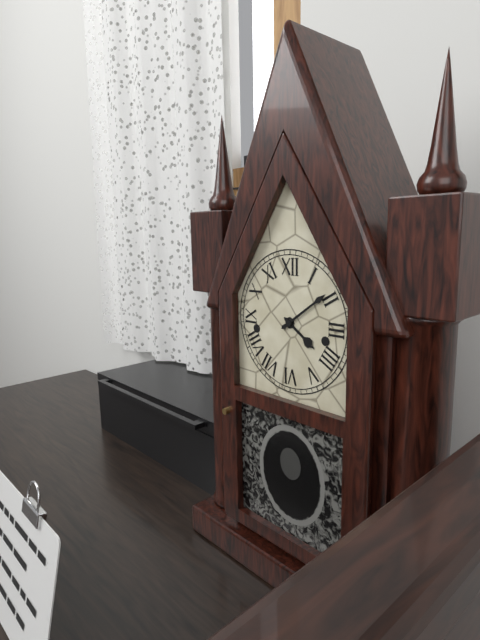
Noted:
4:09
